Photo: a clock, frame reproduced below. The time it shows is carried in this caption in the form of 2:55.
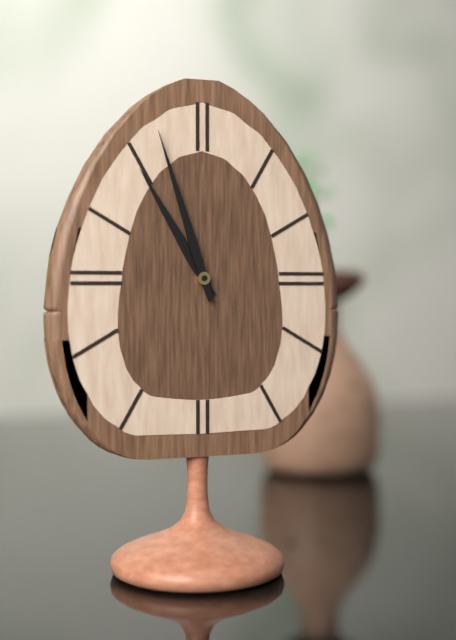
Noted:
10:57
